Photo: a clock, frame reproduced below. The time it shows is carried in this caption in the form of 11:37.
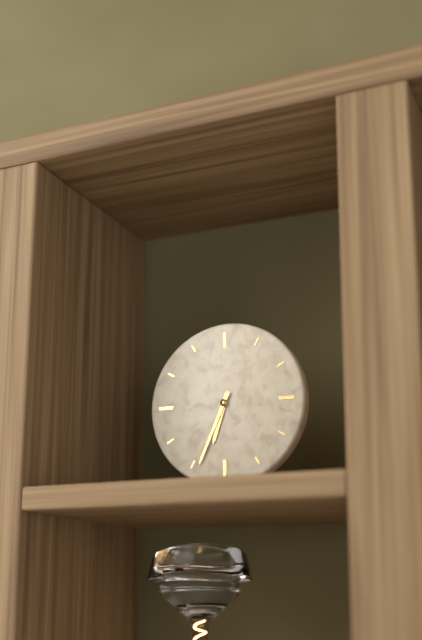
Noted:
6:34
